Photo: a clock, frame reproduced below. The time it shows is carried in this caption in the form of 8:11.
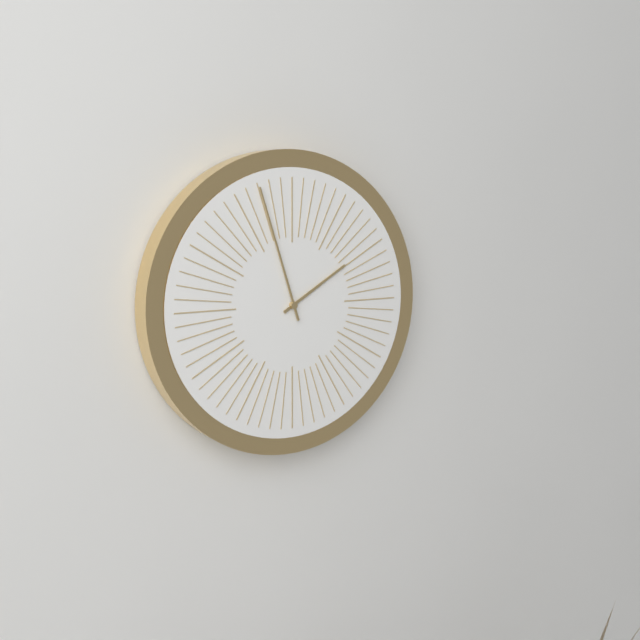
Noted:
1:57
